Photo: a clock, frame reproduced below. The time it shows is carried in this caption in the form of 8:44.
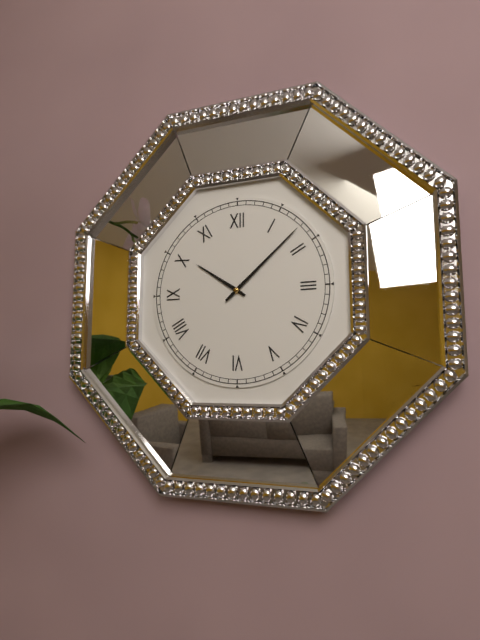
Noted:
10:08
